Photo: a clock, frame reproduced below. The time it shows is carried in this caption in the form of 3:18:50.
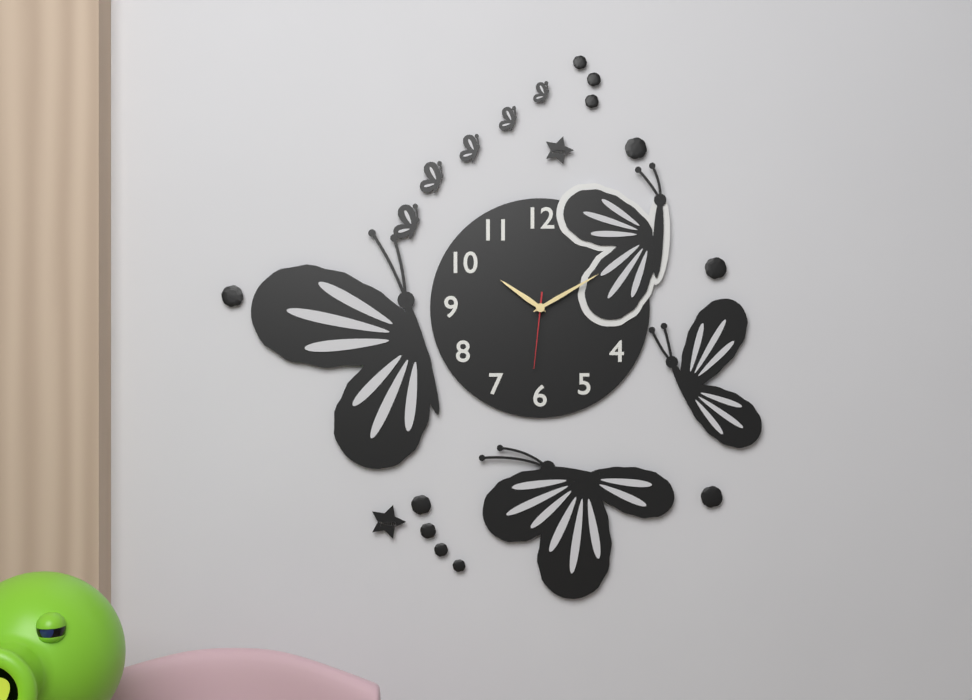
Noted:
10:10:31
